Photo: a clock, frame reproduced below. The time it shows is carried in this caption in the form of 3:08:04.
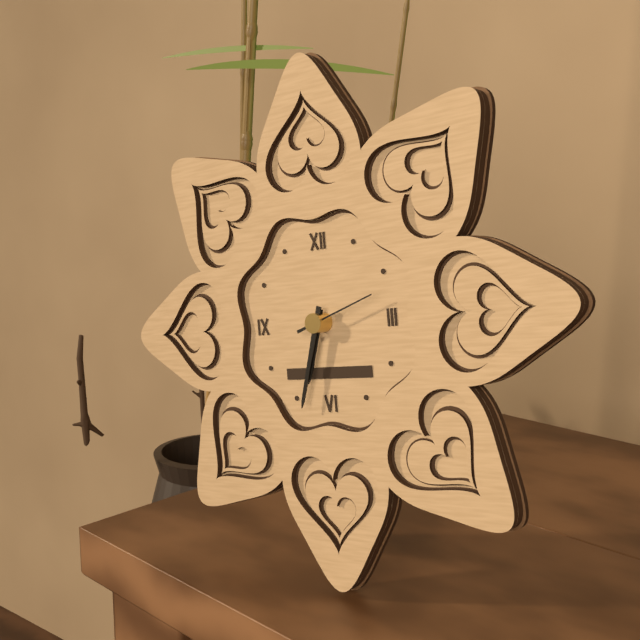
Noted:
6:33:12
